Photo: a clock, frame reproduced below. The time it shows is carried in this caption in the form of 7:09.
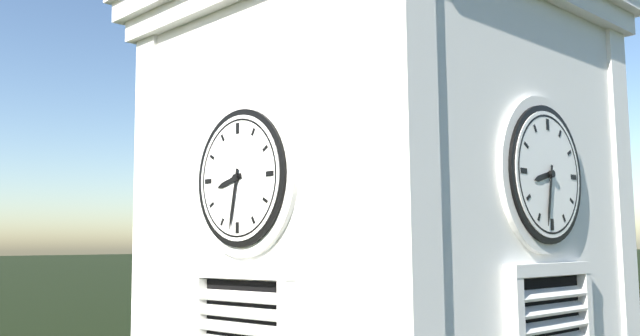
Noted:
8:32
